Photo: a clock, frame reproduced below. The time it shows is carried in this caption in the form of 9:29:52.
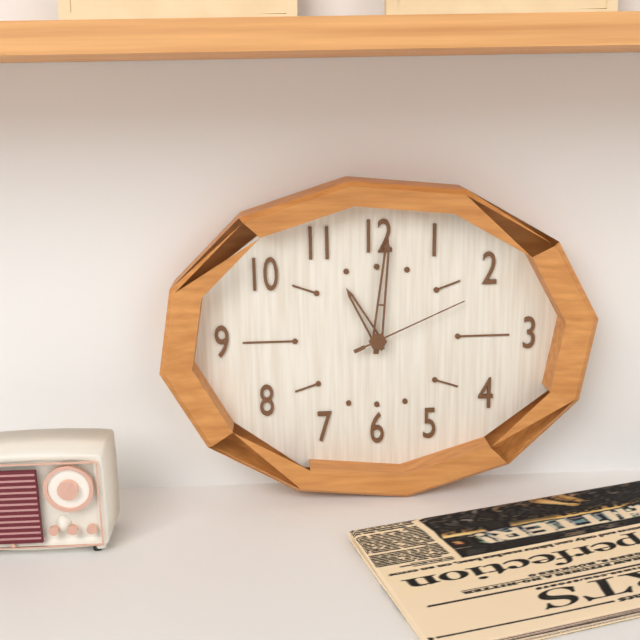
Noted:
11:01:11
